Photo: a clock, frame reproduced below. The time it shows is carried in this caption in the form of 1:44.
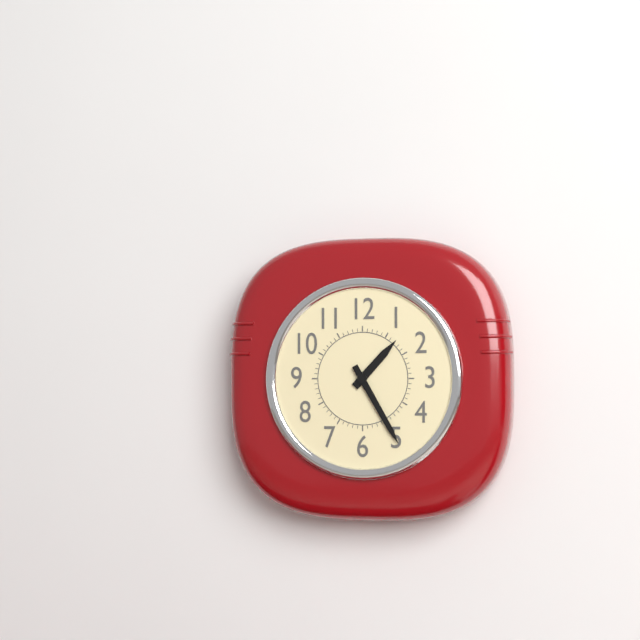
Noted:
1:25
